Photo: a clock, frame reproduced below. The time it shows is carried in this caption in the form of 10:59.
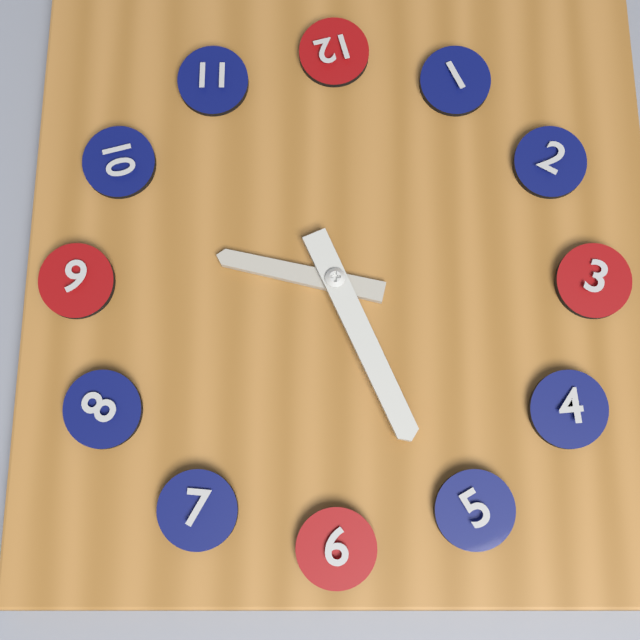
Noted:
9:26
